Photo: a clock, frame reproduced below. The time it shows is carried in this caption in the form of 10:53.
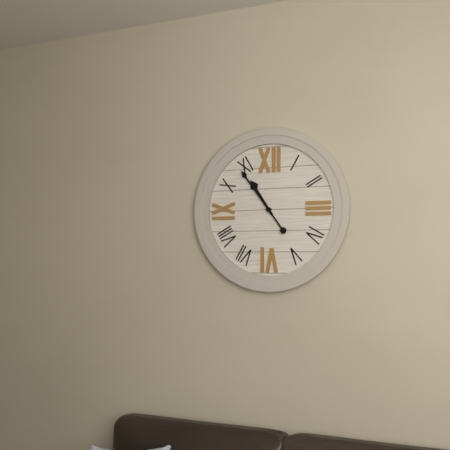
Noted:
10:54
